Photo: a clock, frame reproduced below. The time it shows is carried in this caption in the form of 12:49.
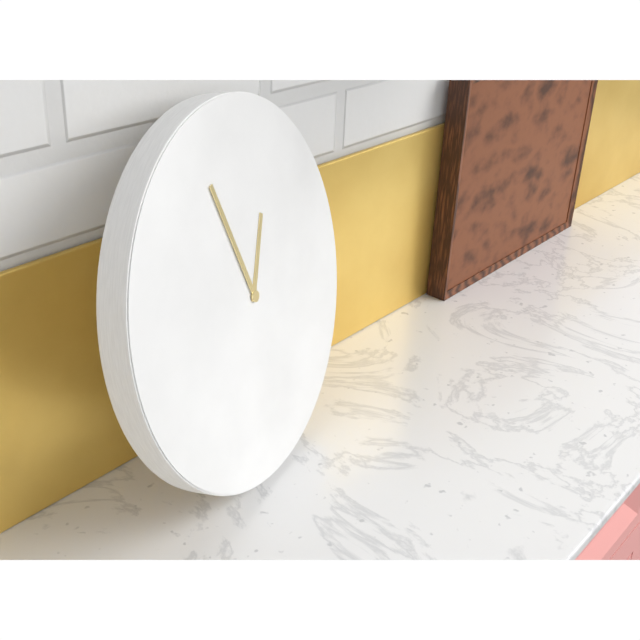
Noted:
12:57
